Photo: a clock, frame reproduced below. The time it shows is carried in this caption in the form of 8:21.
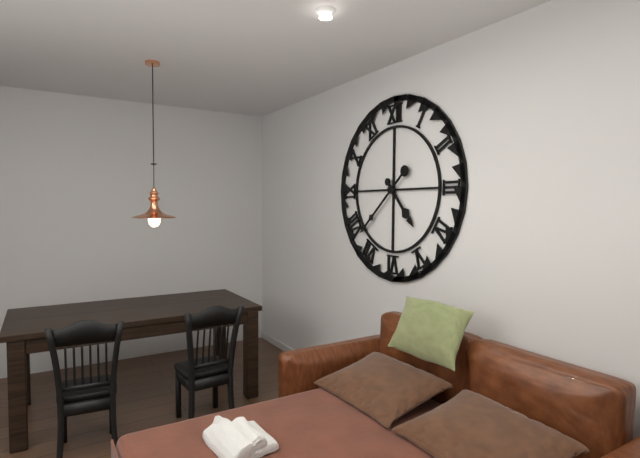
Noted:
4:38
